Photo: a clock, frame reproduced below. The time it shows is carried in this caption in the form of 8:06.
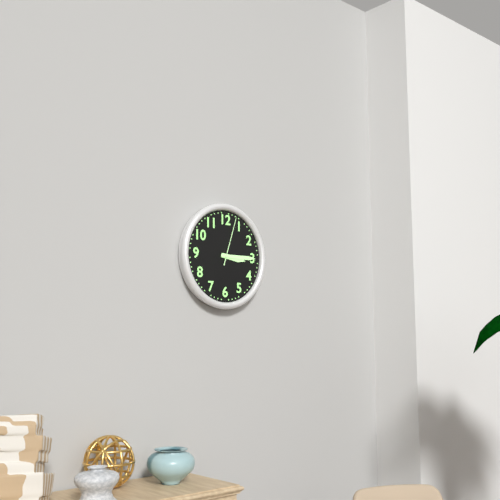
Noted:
3:15
